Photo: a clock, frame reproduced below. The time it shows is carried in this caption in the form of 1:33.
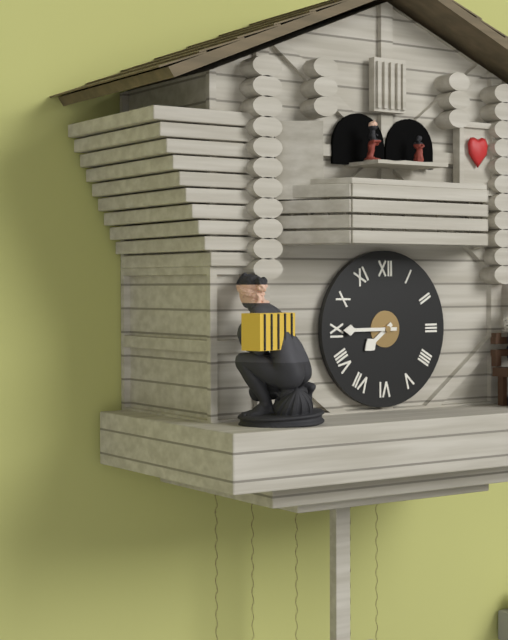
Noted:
7:45
